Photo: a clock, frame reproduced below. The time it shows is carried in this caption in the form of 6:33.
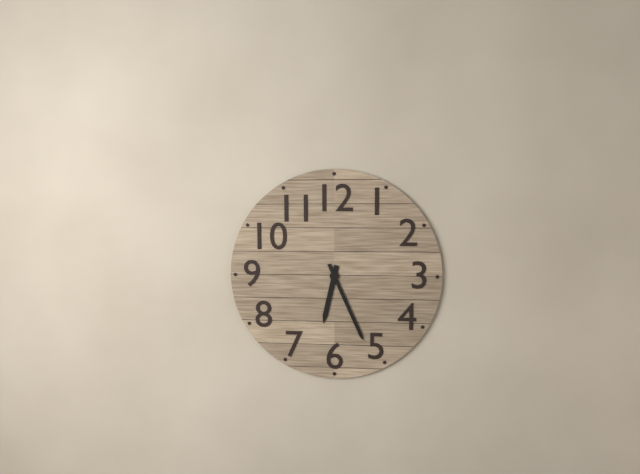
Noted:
6:26
